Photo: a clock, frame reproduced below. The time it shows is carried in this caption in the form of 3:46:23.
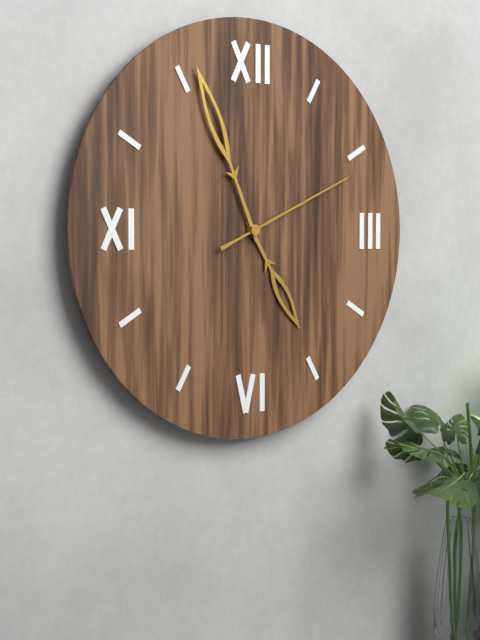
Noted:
4:56:11
